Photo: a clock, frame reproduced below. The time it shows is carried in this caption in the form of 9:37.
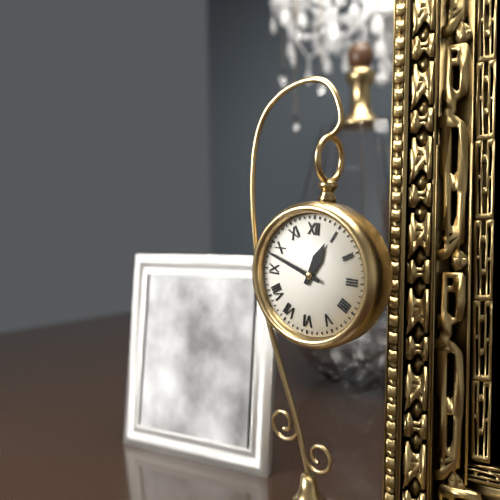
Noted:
12:48
